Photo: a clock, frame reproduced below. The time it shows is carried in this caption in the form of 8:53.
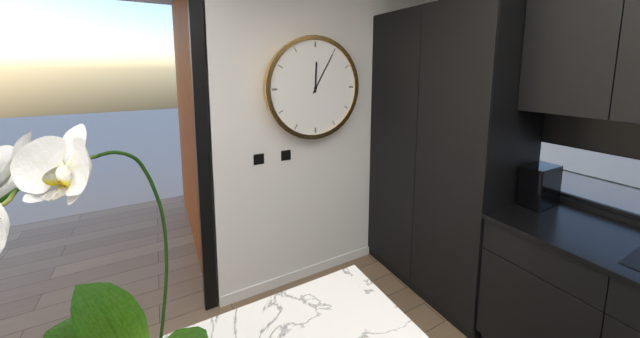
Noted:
12:05
